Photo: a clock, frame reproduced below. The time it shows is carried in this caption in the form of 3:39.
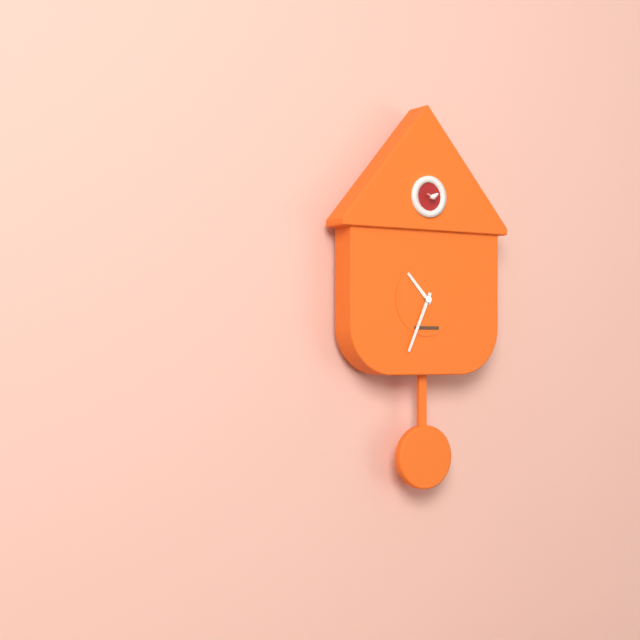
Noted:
10:34
